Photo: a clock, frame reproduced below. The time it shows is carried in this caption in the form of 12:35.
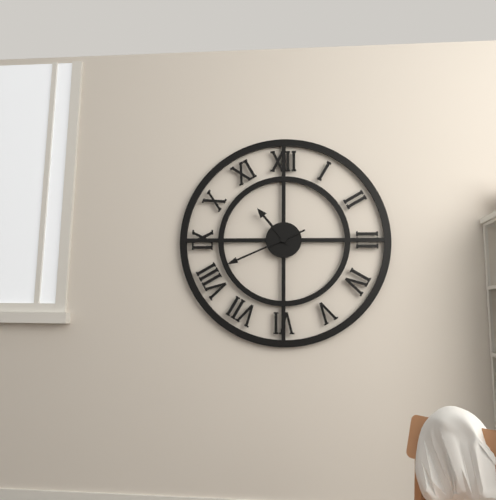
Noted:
10:41
